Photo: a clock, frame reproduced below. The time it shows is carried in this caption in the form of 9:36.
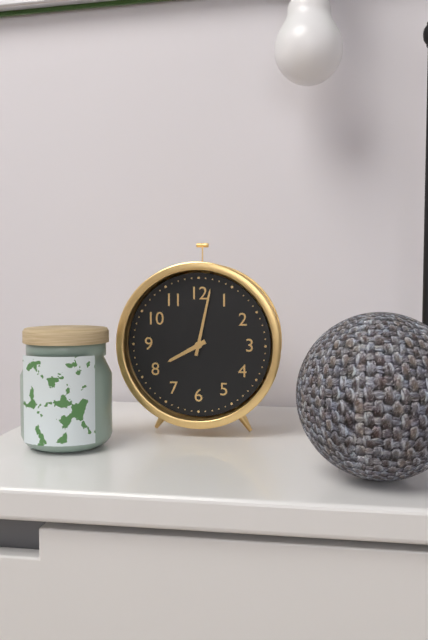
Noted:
8:02
